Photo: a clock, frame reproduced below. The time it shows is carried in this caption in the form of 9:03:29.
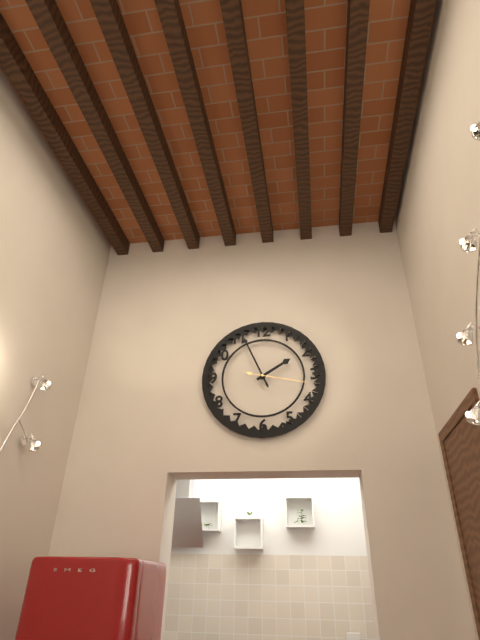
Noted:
1:56:17
